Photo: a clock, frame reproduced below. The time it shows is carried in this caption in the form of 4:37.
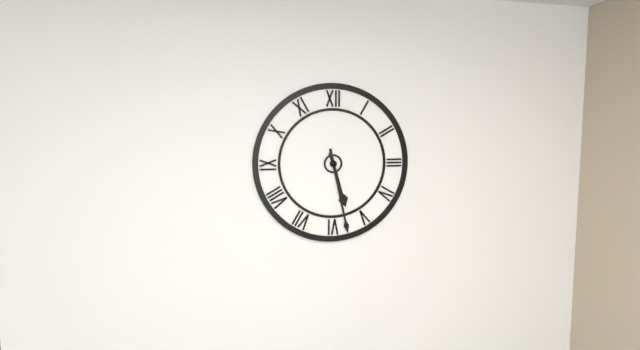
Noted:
5:28
